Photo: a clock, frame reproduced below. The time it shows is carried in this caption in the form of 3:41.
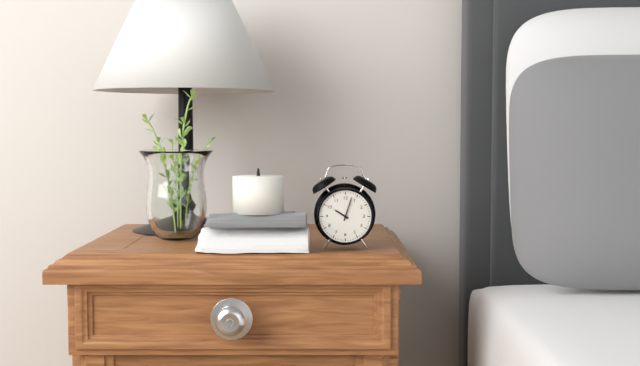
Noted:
10:03
